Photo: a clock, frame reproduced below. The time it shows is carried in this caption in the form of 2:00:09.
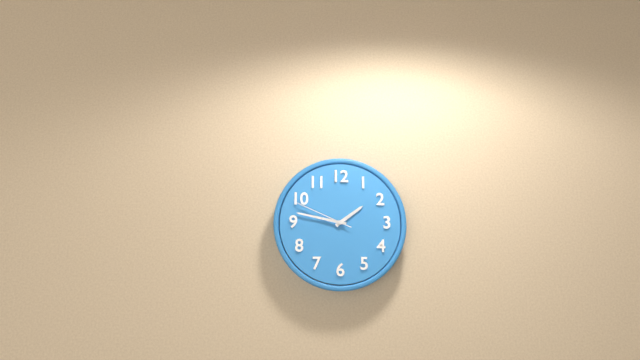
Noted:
1:47:49
